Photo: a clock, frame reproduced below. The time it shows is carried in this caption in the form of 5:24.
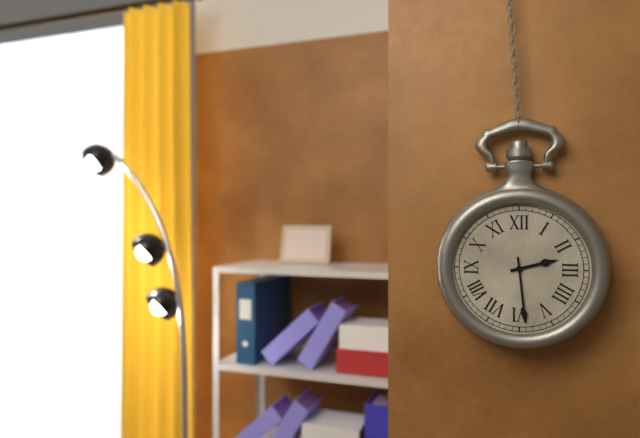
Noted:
2:29
